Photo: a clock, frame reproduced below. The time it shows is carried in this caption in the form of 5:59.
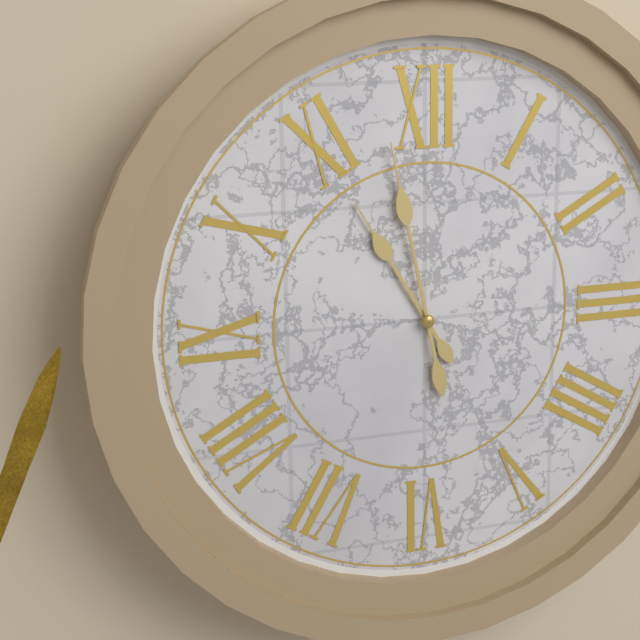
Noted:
10:58
